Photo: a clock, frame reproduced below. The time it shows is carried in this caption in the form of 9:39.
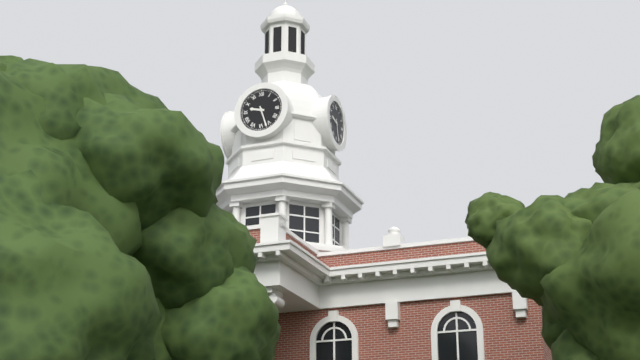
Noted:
9:27
